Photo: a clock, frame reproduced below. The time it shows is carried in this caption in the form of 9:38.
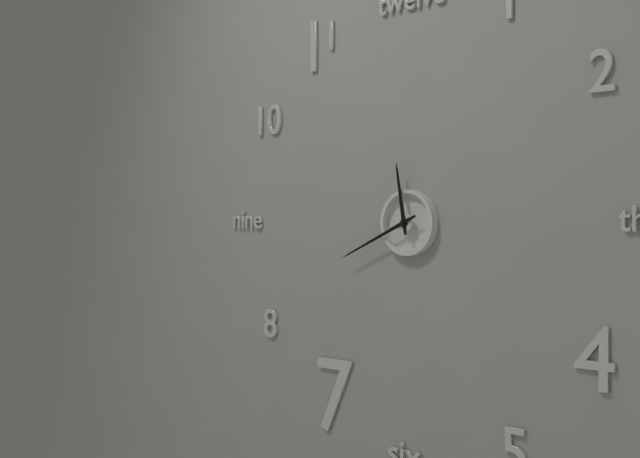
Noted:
11:41
